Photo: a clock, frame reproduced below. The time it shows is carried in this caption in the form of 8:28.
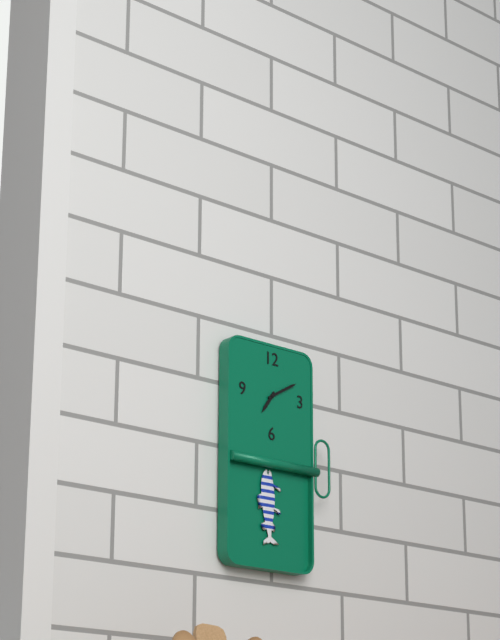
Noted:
7:10
